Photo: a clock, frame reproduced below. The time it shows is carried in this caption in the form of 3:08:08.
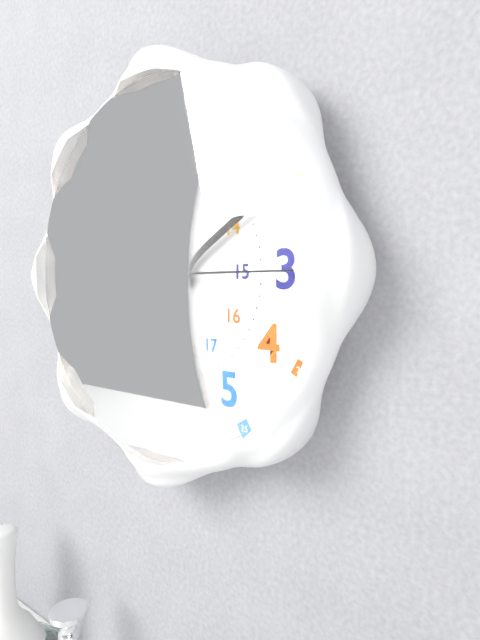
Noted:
10:10:15
